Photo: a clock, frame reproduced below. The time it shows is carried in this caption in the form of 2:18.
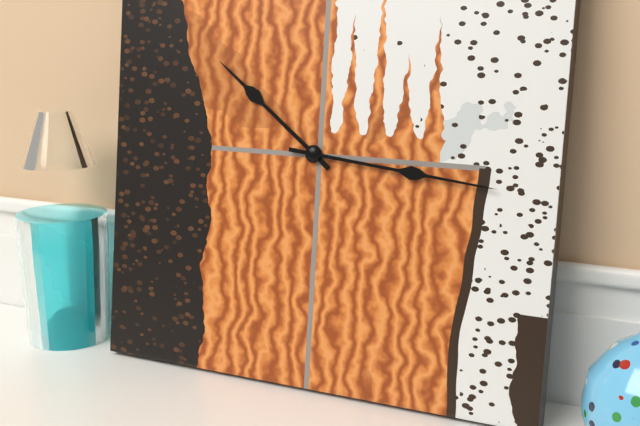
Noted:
10:16
